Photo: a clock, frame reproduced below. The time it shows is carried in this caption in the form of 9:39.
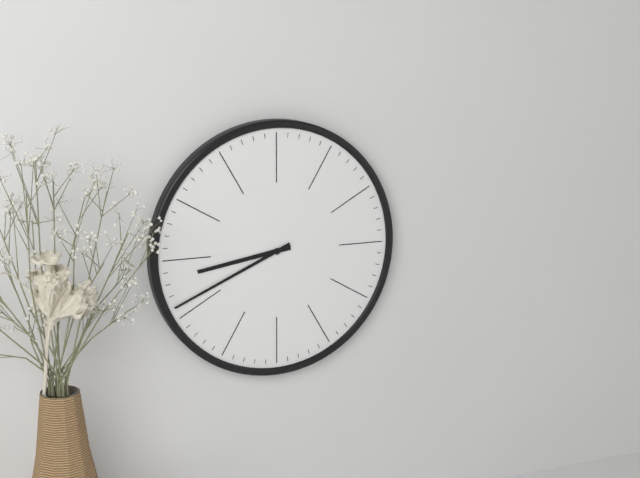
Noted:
8:41
